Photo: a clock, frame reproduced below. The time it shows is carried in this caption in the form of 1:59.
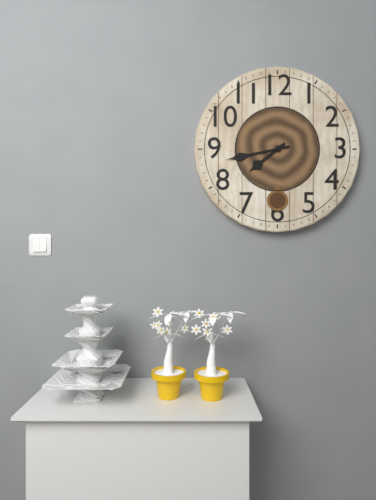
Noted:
7:43
